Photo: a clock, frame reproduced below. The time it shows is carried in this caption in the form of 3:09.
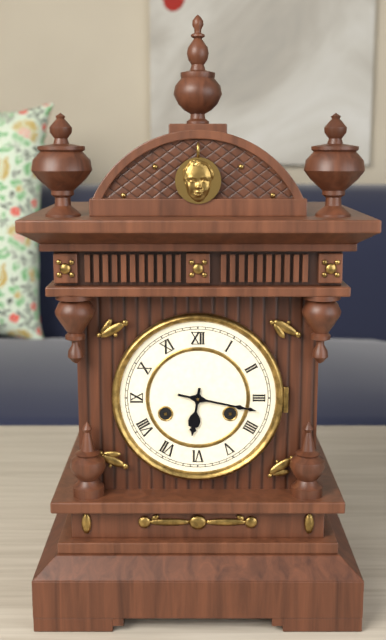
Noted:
6:17
